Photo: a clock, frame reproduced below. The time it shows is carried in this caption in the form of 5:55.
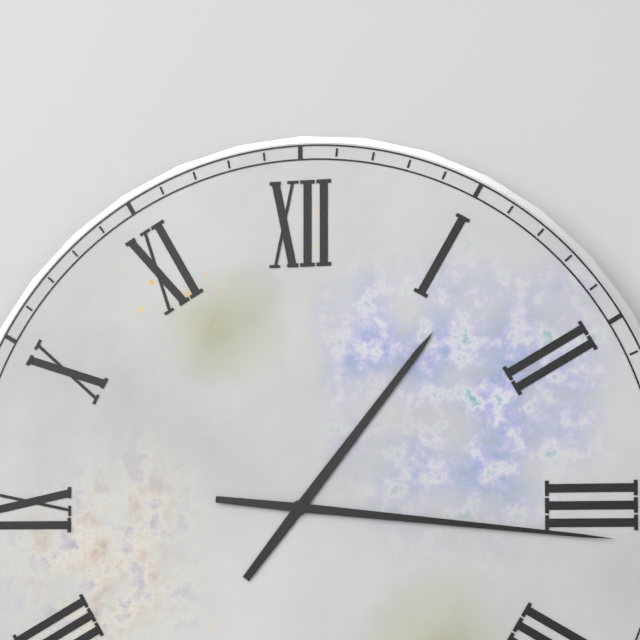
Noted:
1:16
